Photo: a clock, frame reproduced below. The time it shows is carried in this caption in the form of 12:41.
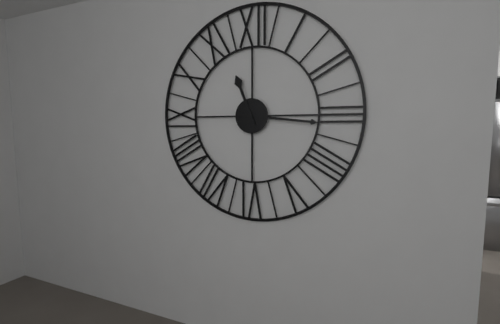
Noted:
11:16
